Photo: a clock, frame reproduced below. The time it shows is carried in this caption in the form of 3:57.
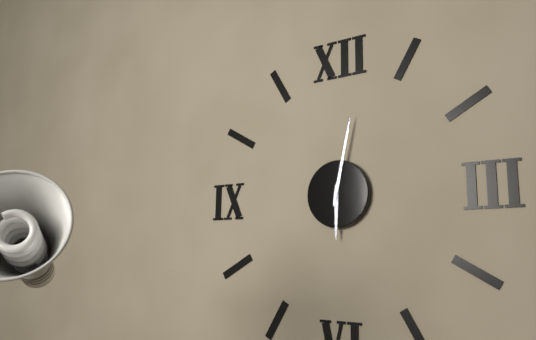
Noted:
6:02
